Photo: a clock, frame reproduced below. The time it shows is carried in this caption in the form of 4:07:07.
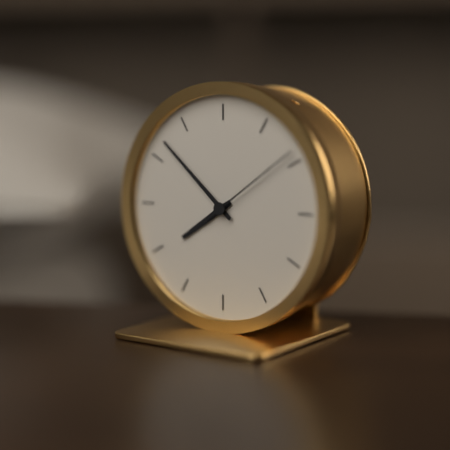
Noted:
7:52:09
